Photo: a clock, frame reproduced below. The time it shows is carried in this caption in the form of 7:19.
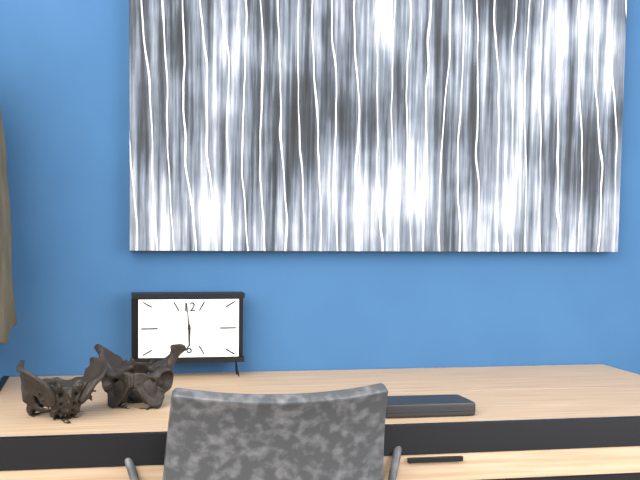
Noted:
5:59
